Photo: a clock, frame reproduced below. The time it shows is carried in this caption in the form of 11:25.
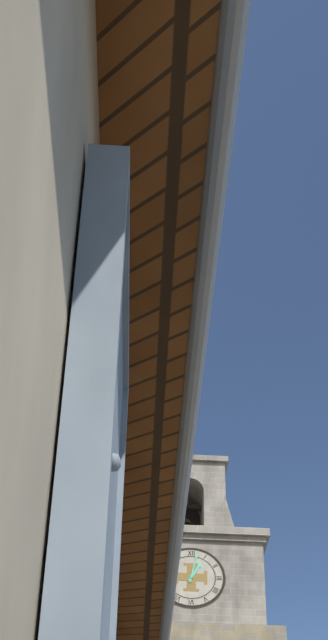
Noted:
1:02
